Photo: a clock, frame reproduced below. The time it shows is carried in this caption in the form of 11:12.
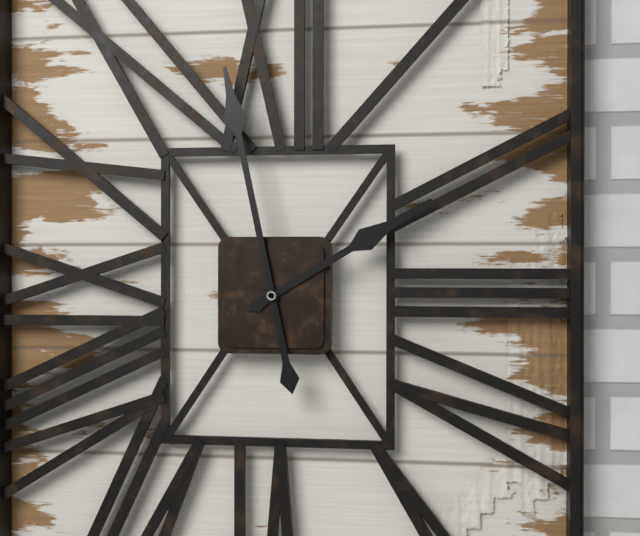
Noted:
1:58
